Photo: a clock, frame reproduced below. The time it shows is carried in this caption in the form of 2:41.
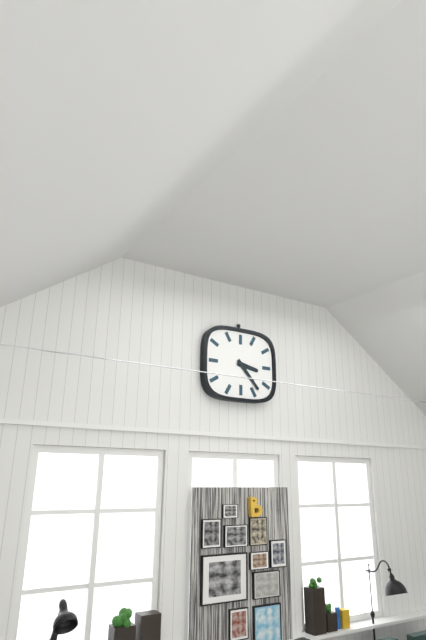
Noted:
3:23
